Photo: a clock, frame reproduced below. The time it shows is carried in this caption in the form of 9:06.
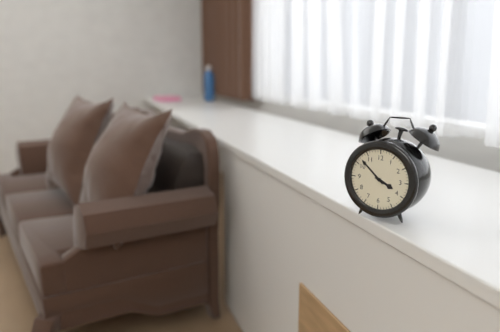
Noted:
3:52
